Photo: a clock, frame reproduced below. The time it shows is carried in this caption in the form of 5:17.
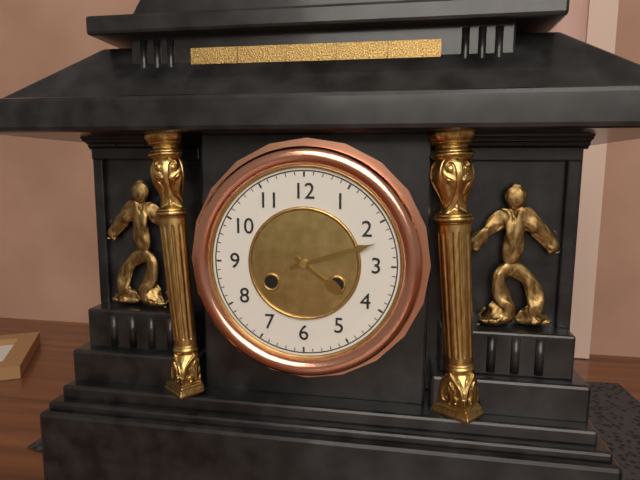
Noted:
4:12
